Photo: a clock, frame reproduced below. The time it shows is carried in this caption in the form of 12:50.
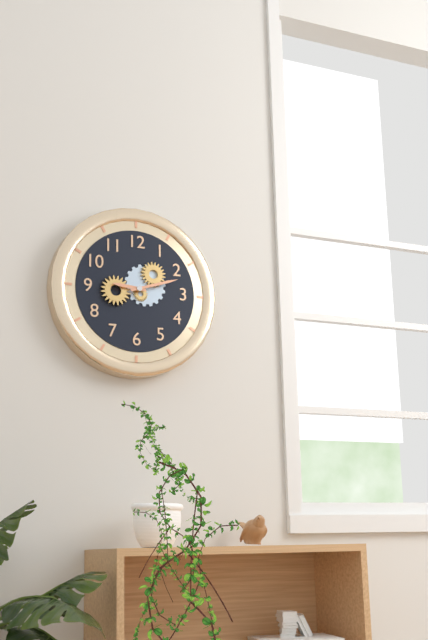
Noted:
9:12
